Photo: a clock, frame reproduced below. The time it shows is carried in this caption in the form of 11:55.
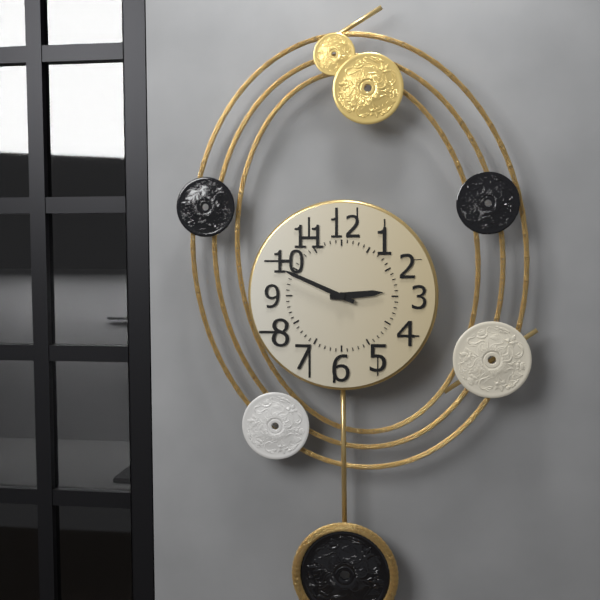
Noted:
2:49
